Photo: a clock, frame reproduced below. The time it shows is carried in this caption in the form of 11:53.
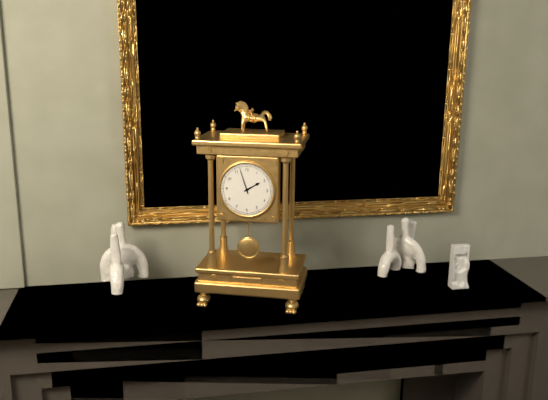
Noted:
1:57
